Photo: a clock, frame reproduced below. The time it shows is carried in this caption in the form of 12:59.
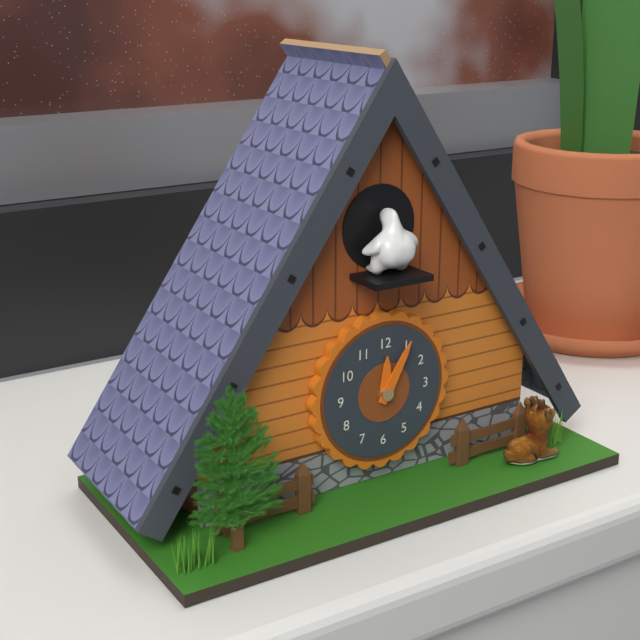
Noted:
12:05
